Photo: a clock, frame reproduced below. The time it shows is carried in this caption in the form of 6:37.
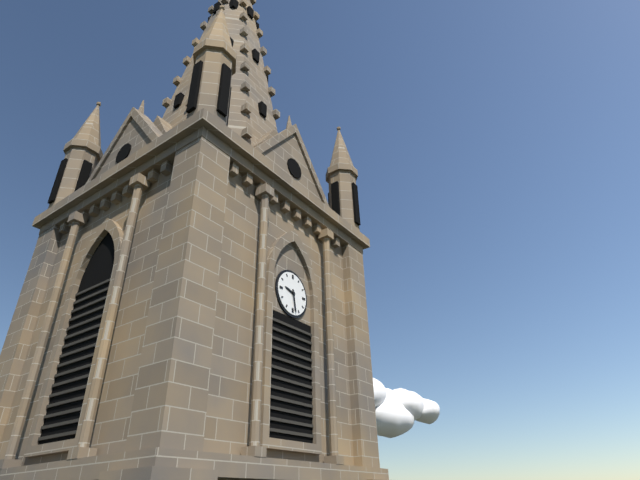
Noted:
9:28
